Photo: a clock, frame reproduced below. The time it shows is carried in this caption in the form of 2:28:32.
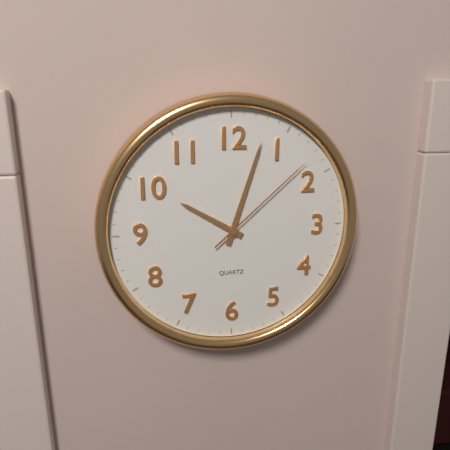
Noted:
10:03:08
